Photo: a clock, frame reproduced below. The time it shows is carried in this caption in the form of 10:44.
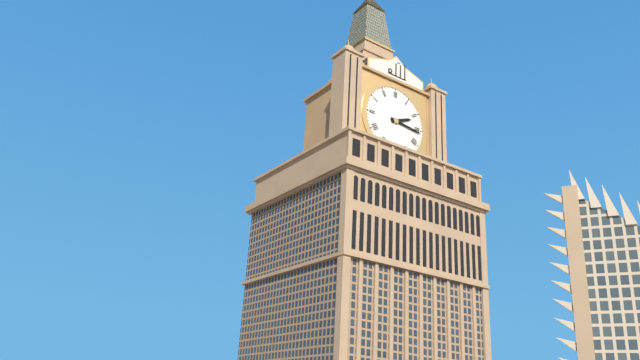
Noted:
2:16
